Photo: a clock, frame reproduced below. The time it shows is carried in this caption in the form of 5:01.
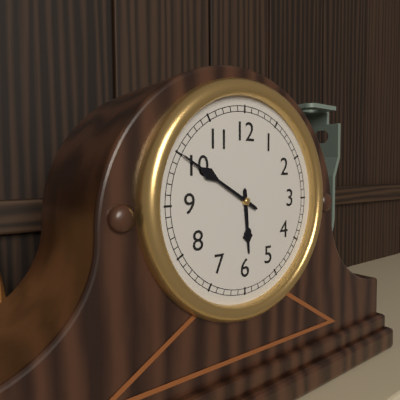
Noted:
5:50
